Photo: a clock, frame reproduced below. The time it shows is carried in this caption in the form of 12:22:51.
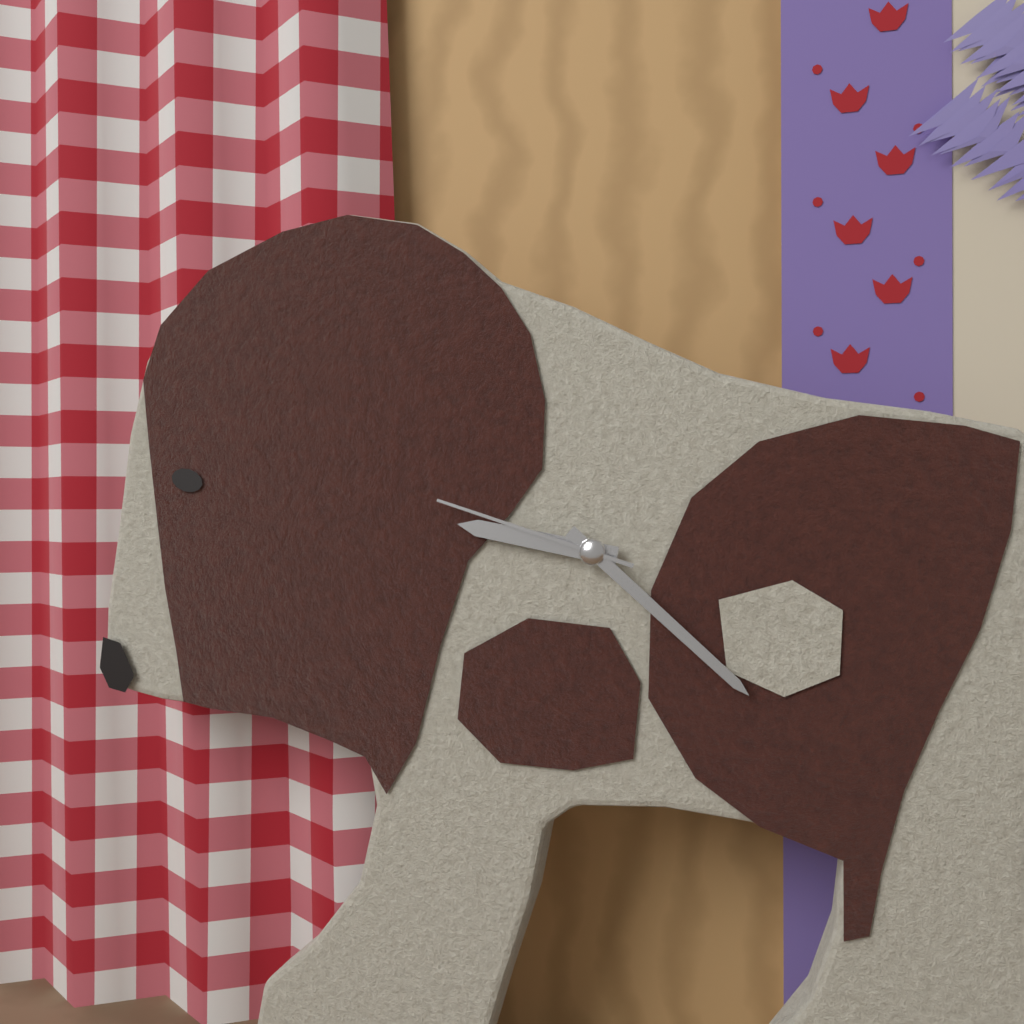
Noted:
9:22:48
